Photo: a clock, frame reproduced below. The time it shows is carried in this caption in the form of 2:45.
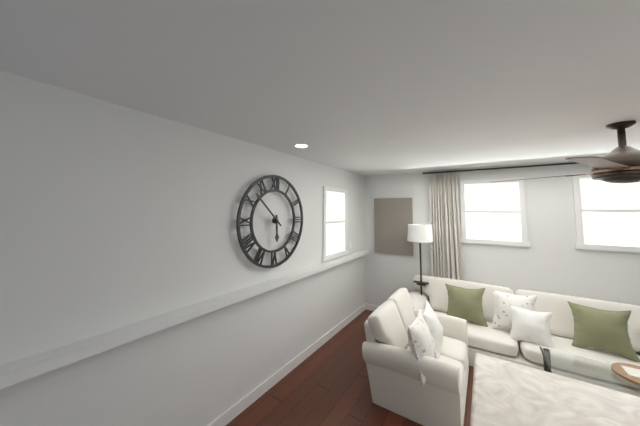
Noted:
5:52
